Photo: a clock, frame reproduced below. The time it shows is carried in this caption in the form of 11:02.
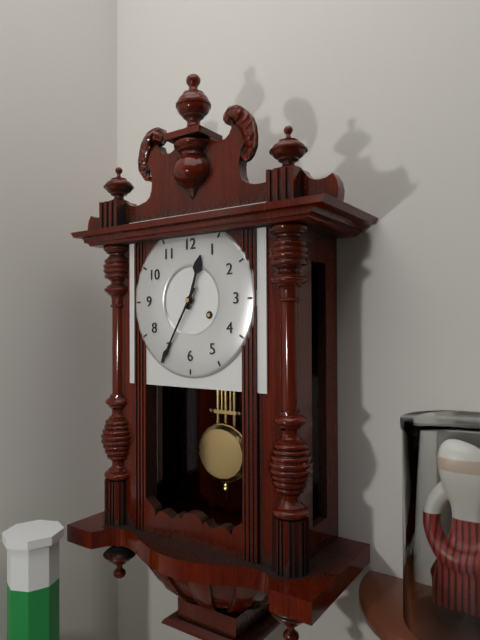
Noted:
12:35
